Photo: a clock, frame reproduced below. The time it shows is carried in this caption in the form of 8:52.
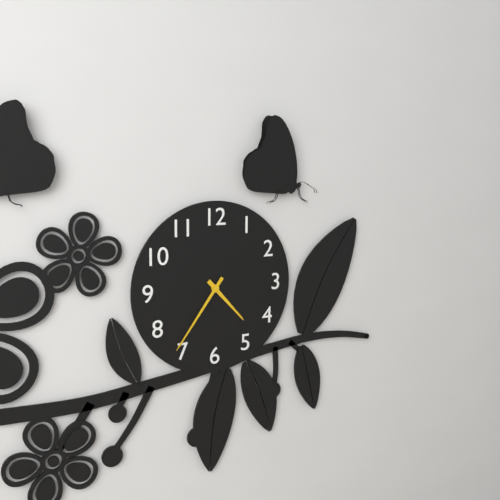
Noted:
4:36
